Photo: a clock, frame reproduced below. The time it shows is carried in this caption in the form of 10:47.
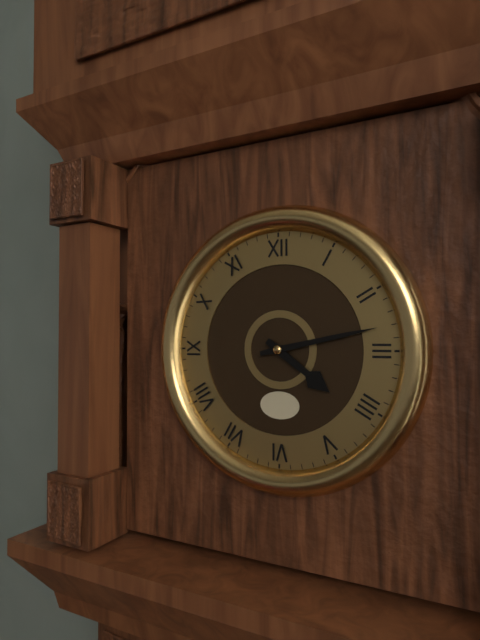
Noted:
4:13
